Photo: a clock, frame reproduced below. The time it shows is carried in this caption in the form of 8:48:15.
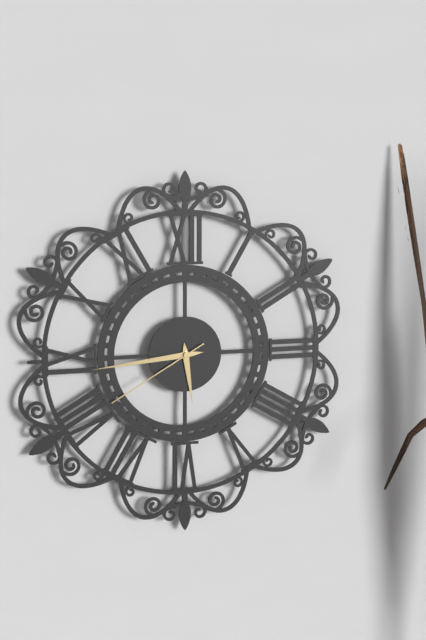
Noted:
5:44:40
